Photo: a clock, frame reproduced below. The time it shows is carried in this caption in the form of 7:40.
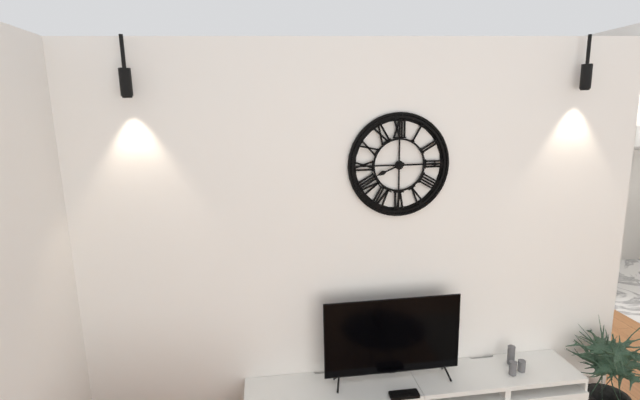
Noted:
8:15
